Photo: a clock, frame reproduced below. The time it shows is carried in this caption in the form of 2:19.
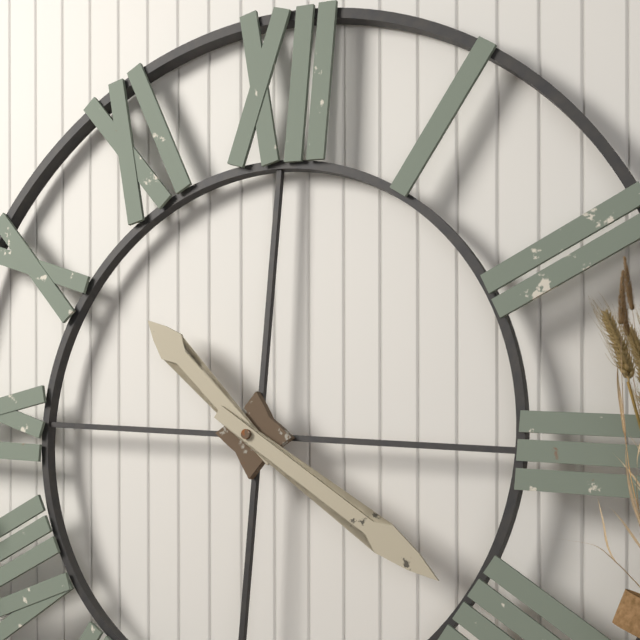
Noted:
10:20
